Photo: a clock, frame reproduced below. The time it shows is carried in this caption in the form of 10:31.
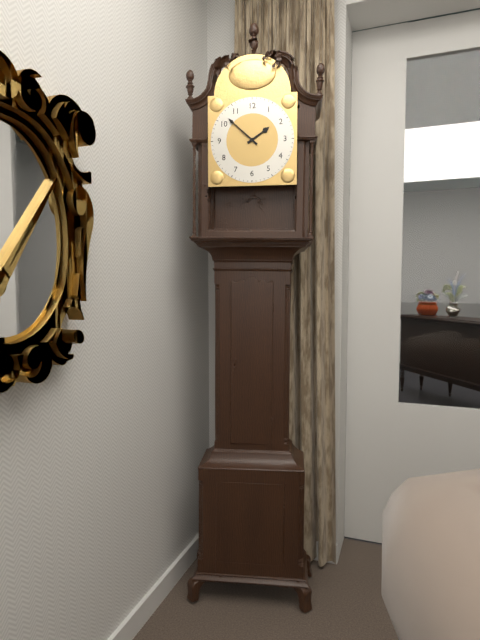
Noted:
1:52
